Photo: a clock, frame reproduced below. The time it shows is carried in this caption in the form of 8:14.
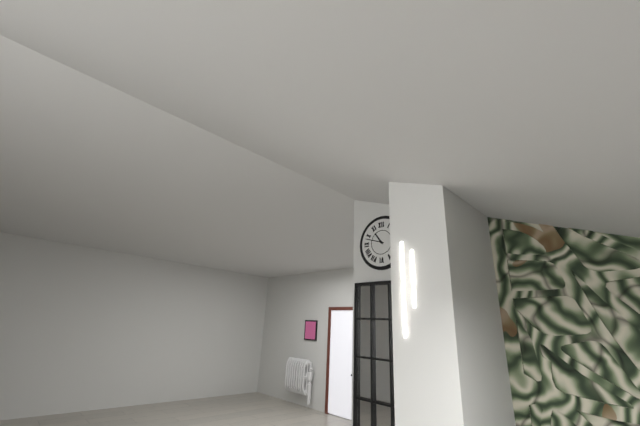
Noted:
10:48
